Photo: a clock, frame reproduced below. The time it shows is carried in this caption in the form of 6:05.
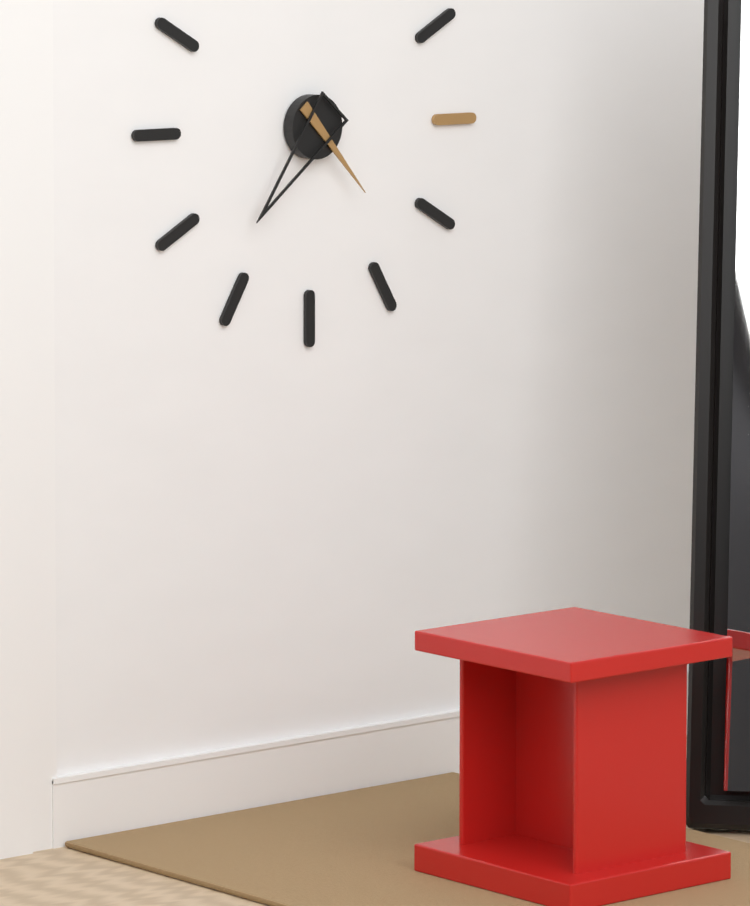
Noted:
4:37
